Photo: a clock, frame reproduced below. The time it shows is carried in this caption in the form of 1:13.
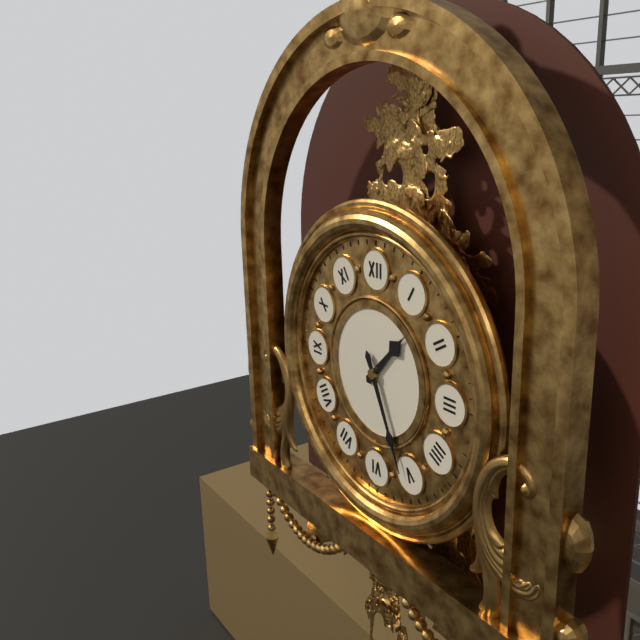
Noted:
1:26
